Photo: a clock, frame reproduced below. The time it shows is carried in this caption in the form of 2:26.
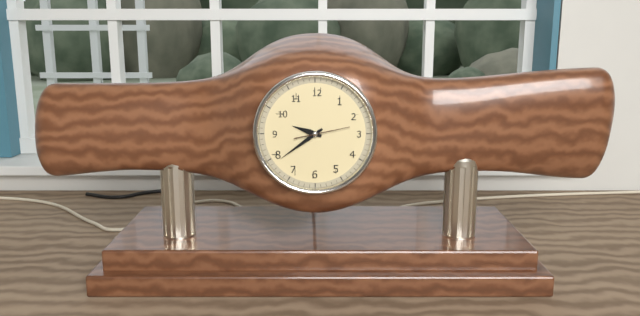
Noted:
9:39
